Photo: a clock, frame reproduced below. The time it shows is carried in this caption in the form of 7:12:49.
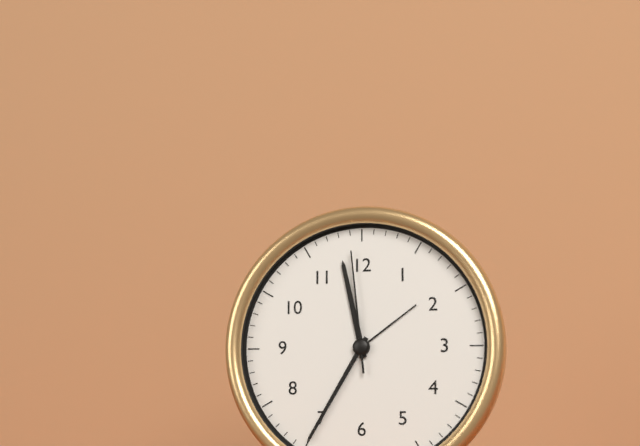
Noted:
11:35:59
